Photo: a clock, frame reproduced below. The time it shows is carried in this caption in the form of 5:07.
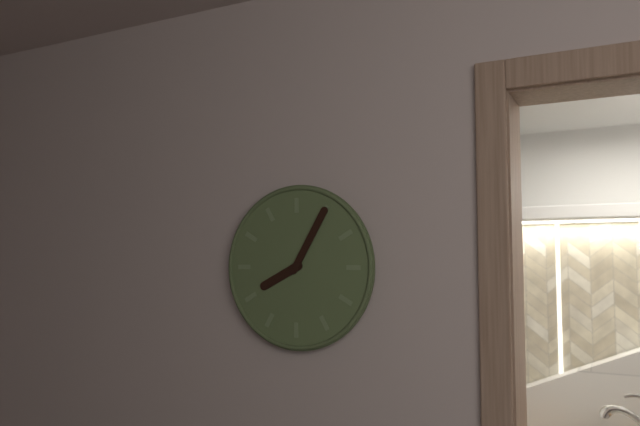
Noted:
8:05
